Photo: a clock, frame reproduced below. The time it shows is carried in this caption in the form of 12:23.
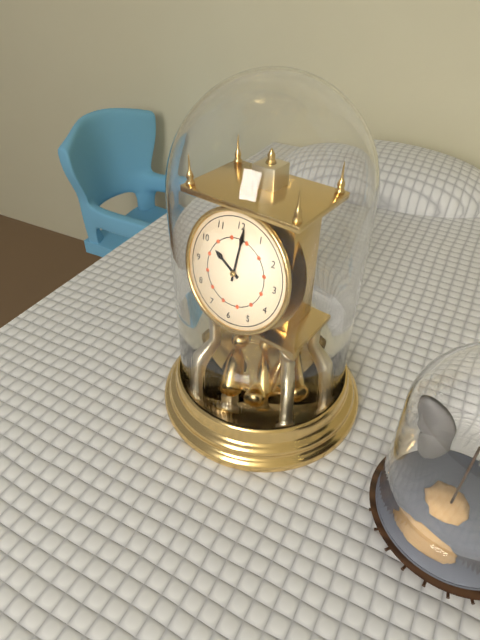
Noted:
10:01
